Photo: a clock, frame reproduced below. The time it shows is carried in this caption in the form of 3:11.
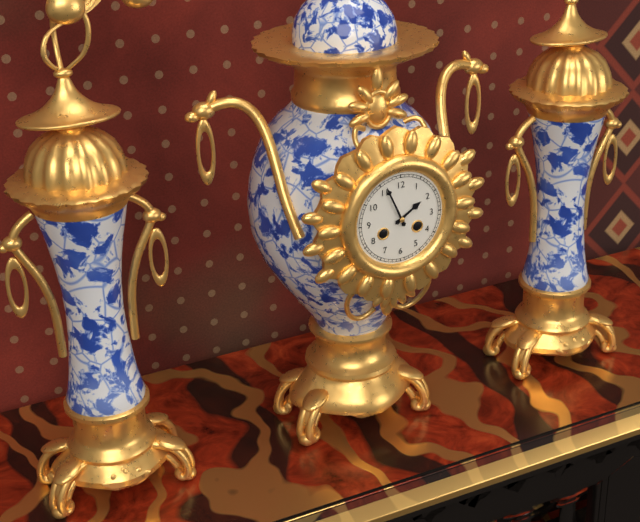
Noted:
1:56
